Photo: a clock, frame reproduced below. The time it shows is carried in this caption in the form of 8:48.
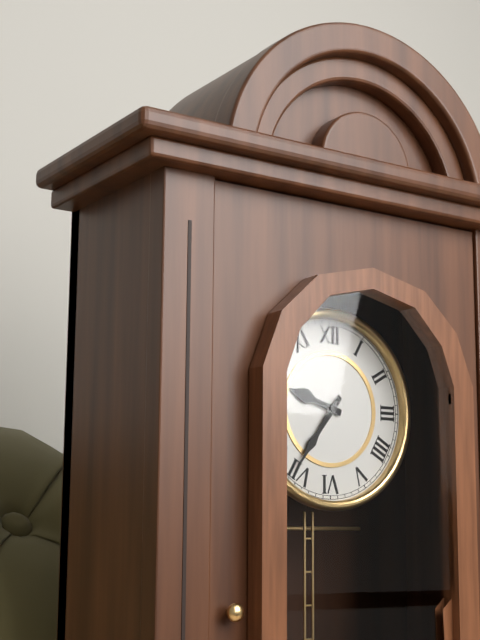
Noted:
9:36
